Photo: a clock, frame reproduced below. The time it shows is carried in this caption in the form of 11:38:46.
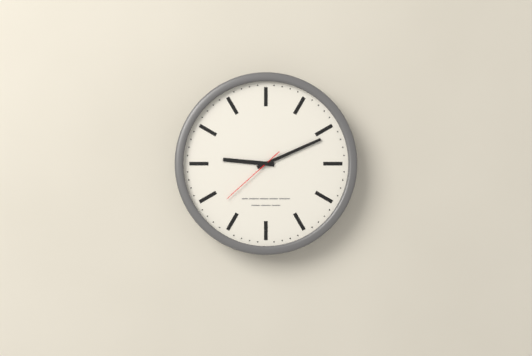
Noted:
9:11:38
